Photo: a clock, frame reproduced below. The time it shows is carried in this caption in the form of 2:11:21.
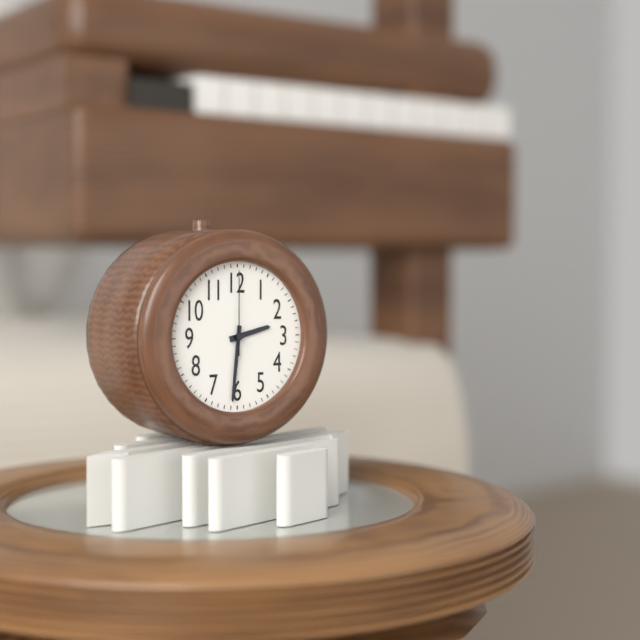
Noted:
2:31:00
